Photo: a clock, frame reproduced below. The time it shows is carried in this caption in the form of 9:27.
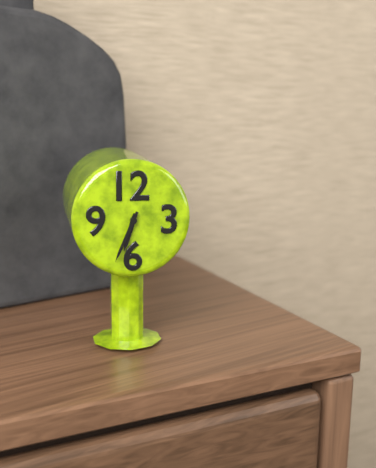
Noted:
6:34
